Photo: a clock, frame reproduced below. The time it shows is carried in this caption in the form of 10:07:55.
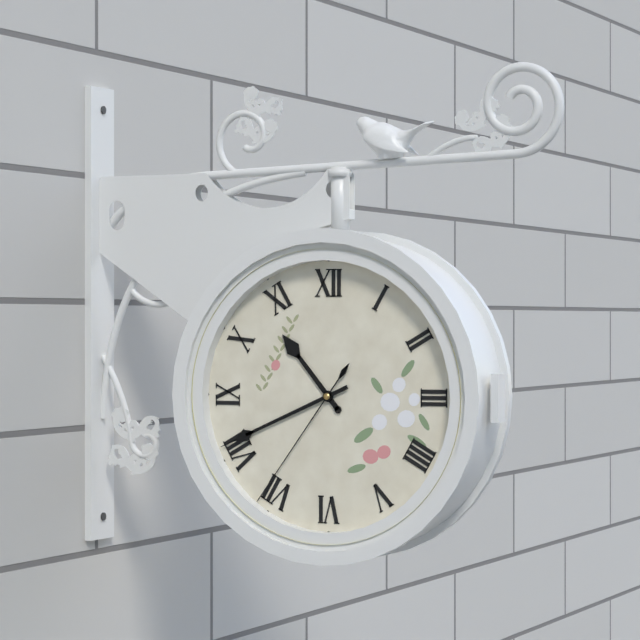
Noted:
10:41:36
